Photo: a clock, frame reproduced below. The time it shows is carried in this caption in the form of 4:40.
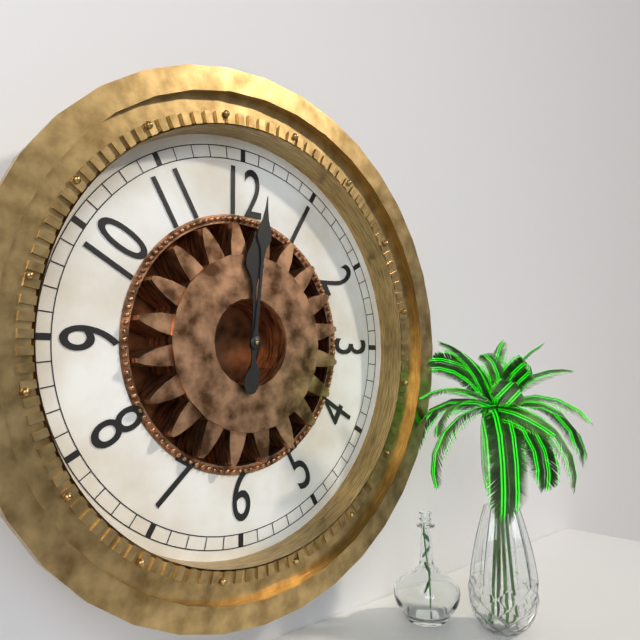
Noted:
12:01
